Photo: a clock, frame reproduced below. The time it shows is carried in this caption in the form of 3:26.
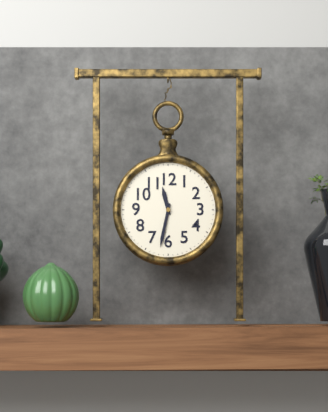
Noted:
11:32
